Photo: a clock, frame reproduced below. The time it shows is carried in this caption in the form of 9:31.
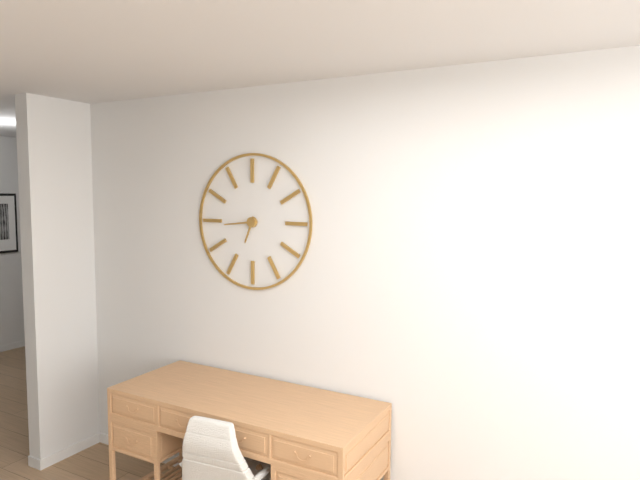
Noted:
6:44
